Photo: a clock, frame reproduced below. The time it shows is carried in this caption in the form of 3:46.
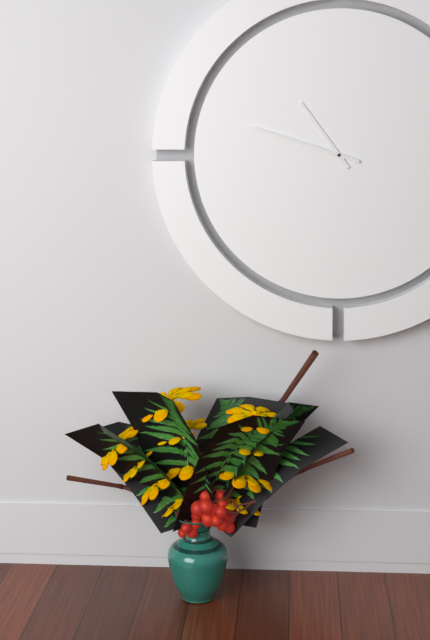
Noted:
10:48
